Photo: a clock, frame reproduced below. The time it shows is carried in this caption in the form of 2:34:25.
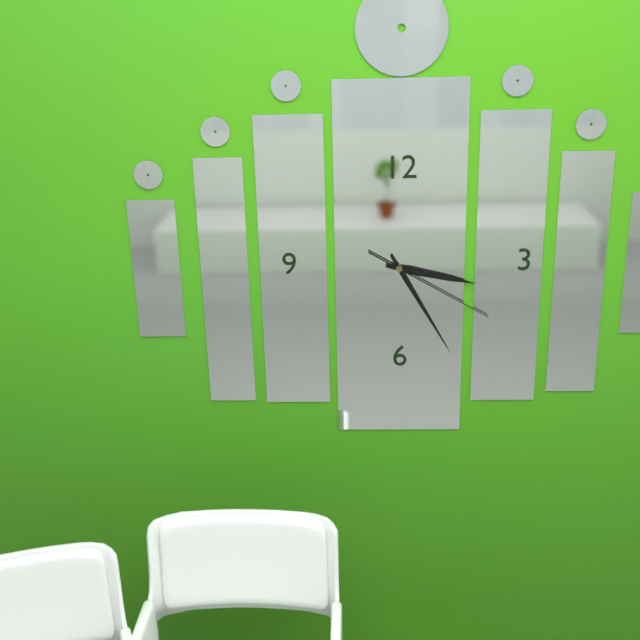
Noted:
3:25:20
